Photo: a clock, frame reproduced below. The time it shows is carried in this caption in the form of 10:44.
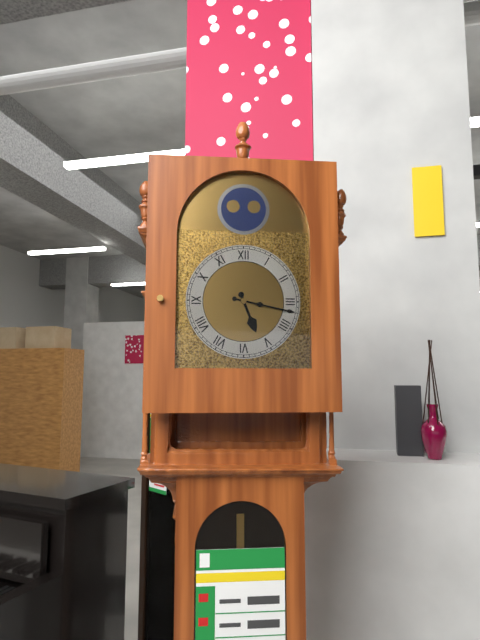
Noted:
5:17
